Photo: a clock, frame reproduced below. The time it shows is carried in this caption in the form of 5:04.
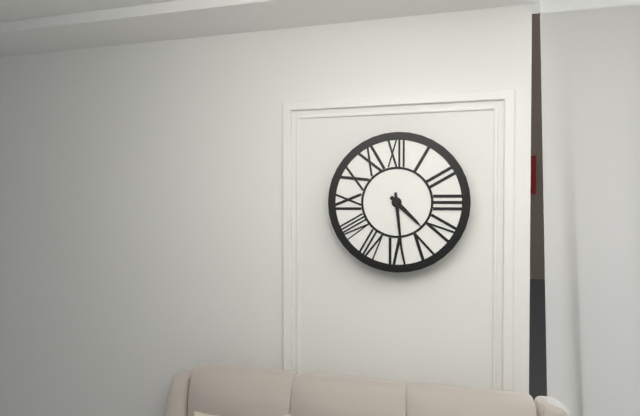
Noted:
4:29
